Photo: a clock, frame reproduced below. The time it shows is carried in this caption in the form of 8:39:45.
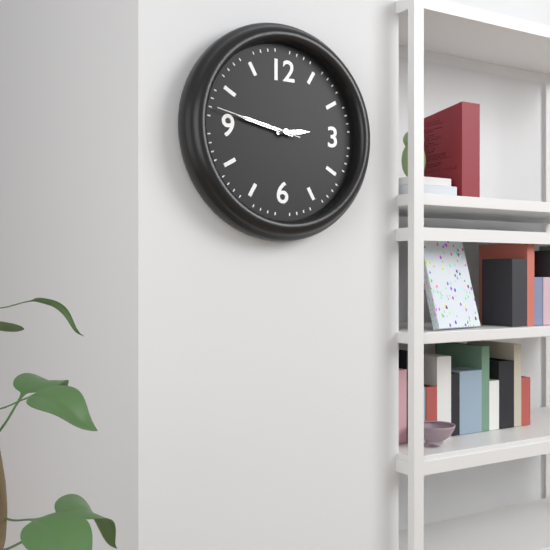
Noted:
2:47:47
